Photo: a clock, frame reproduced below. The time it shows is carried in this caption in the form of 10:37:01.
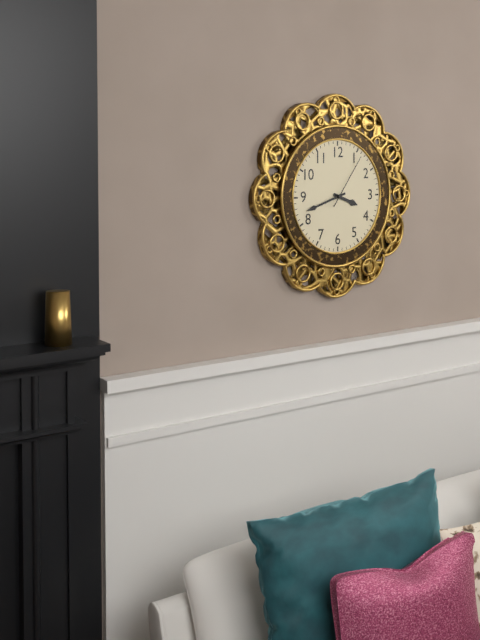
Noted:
3:42:06
